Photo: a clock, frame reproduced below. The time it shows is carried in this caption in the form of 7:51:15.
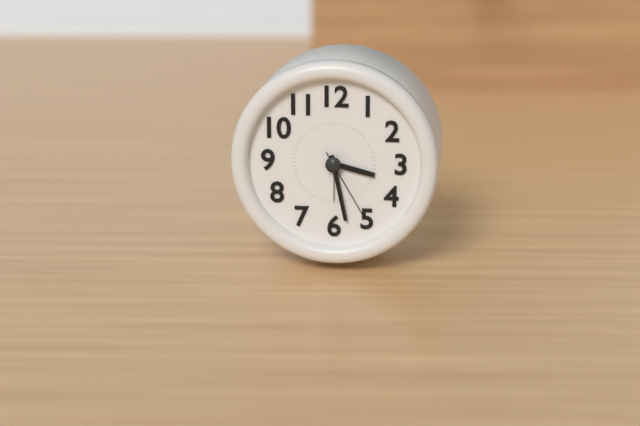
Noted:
3:28:25
